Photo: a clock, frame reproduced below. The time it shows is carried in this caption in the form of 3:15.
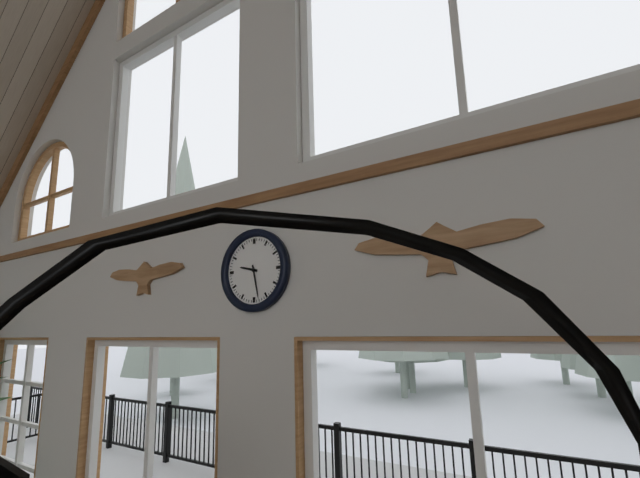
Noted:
9:28
